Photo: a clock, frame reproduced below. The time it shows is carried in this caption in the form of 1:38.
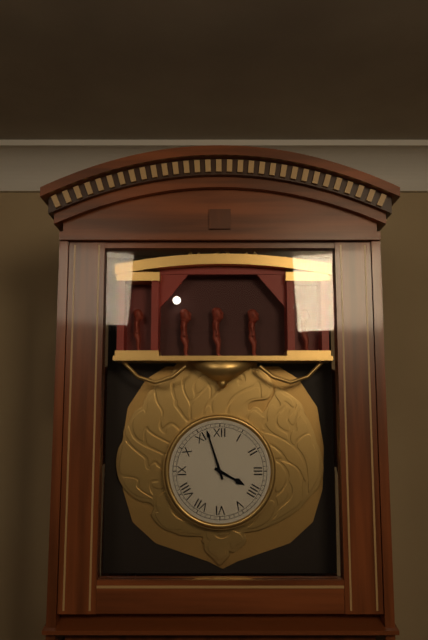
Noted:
3:57
